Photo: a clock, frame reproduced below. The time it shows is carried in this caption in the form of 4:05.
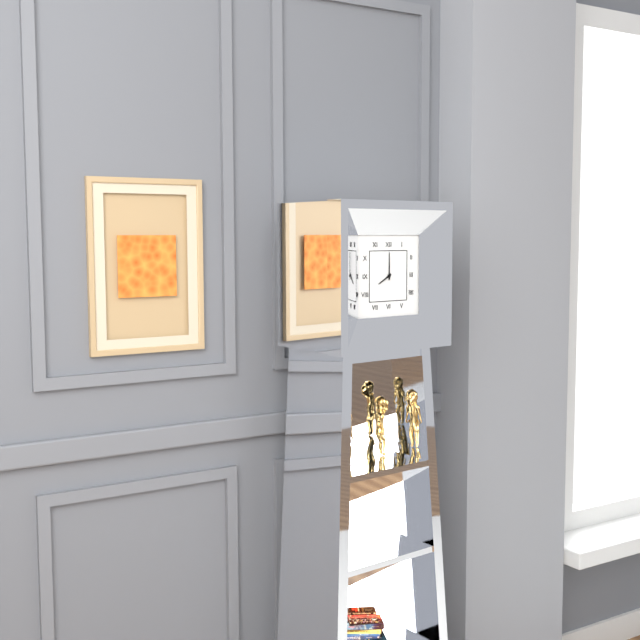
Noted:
8:00
